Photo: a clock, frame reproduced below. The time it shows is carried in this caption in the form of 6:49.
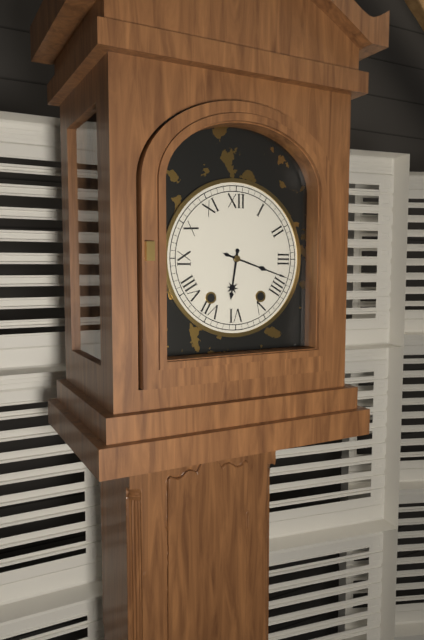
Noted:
6:18
